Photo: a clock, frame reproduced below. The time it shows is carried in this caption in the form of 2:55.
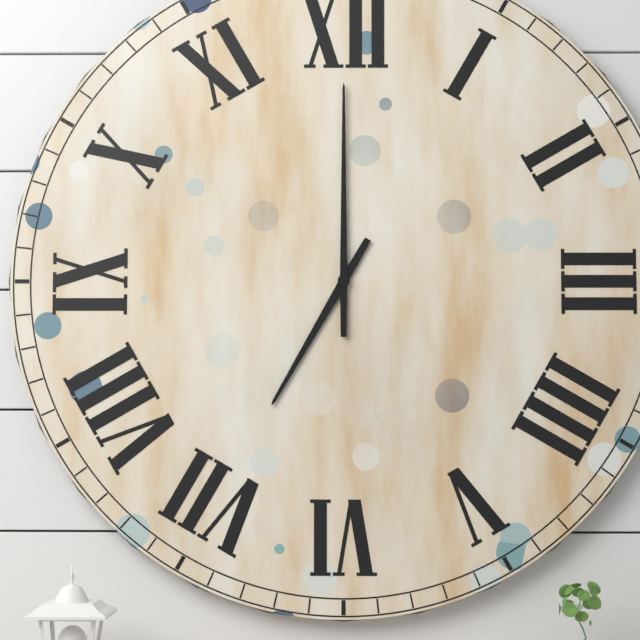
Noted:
7:00
